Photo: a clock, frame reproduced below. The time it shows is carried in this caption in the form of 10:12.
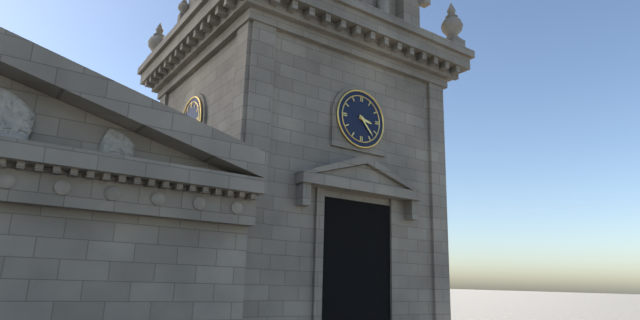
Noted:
3:23
